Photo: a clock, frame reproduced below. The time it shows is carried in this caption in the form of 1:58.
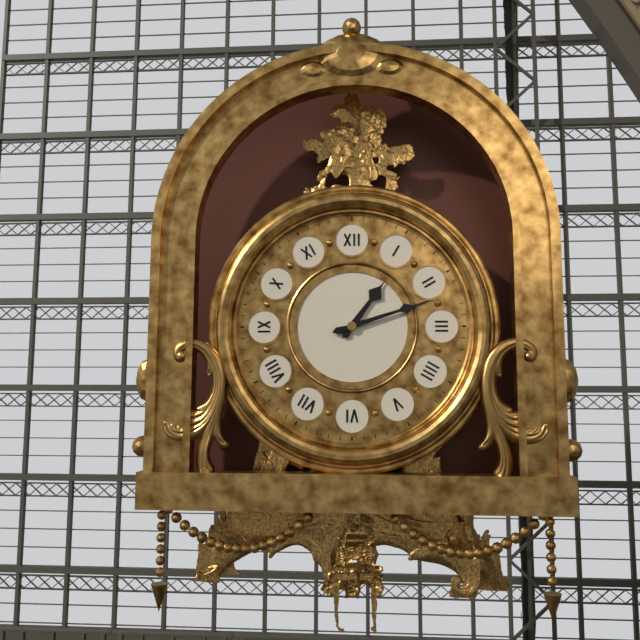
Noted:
1:12
